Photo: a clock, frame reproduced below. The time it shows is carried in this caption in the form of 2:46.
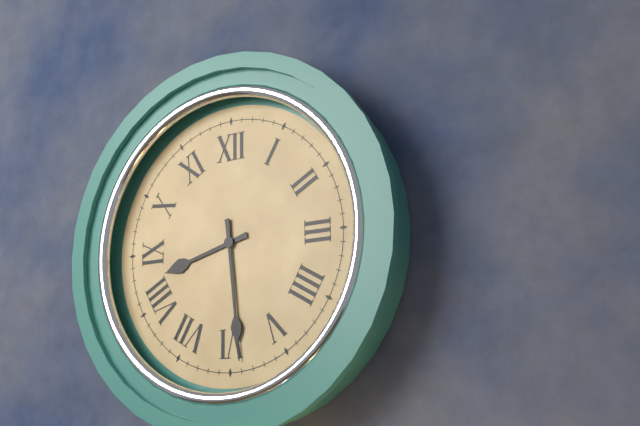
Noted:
8:29
